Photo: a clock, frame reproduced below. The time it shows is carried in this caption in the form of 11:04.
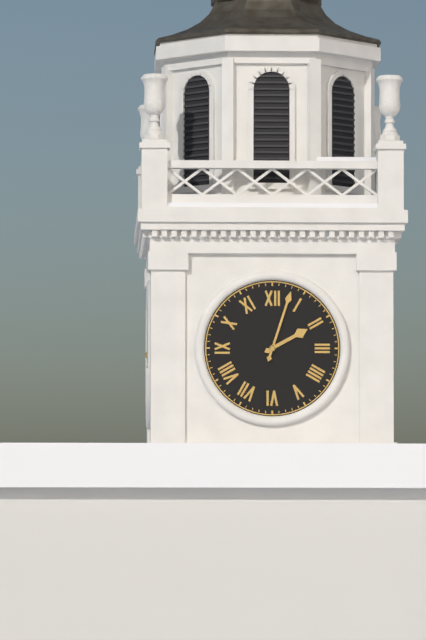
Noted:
2:03
